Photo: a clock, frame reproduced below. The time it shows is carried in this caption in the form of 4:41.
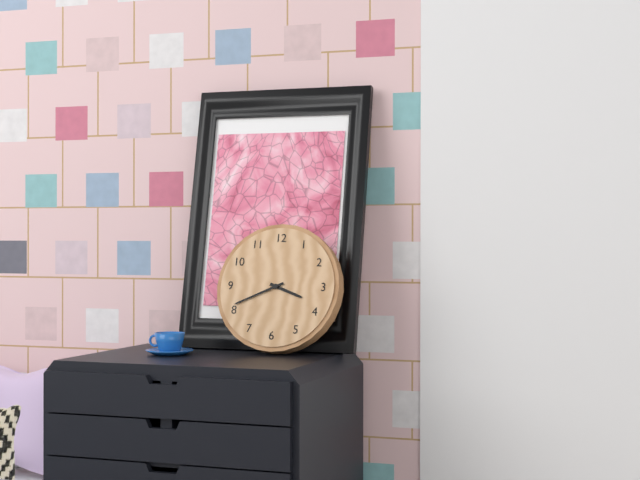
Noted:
3:41
